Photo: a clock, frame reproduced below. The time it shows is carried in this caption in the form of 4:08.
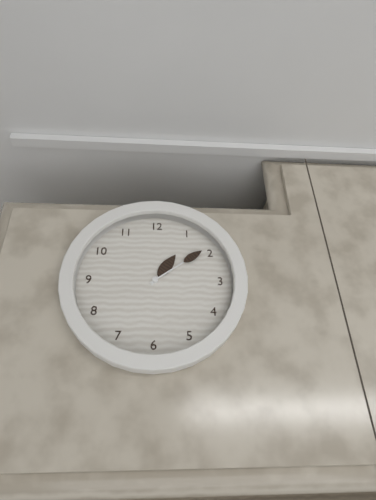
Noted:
1:09
